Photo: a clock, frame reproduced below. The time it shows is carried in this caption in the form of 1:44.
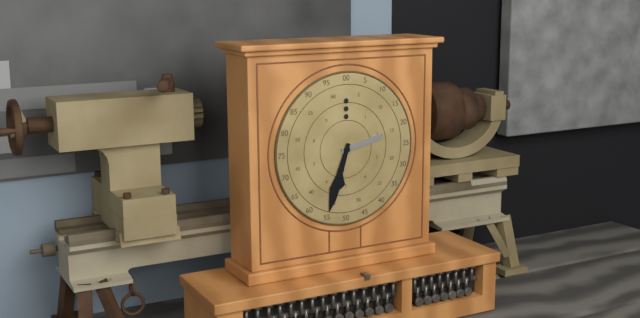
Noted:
2:33
